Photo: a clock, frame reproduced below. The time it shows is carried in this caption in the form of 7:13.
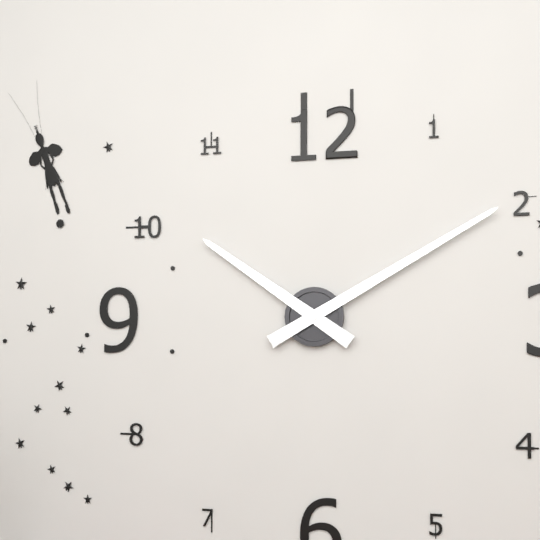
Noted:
10:10
